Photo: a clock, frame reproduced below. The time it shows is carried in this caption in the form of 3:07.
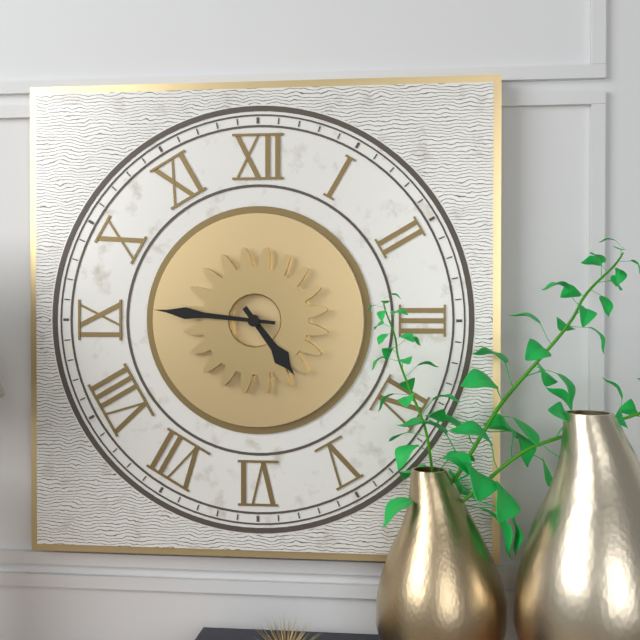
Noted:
4:46
